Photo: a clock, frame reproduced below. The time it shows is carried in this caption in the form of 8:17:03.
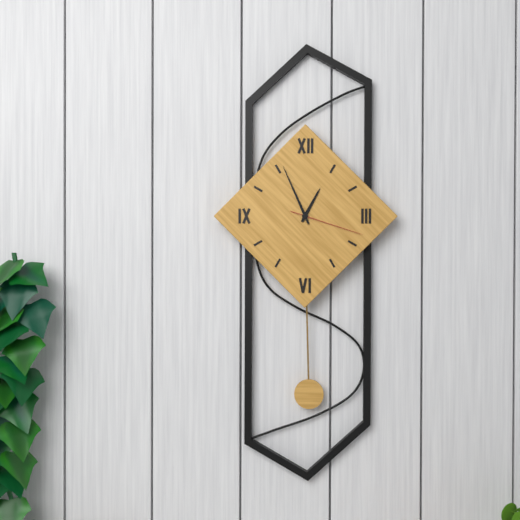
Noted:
12:56:18
